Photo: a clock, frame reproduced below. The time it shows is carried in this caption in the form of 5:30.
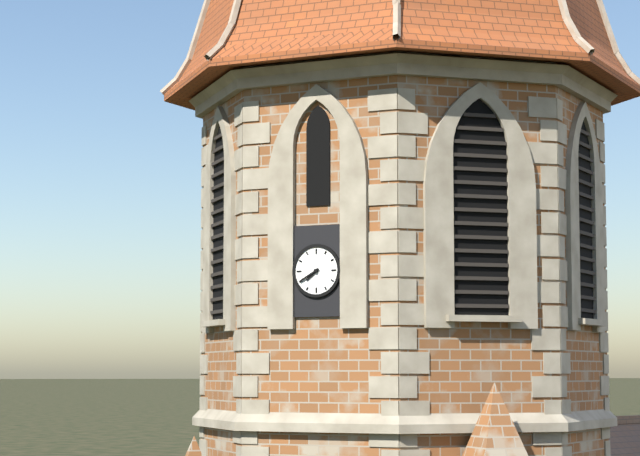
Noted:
7:40
